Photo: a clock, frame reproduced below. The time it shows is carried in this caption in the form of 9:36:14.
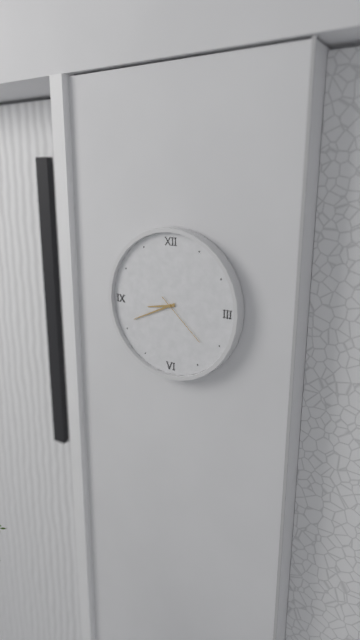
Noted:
8:41:22
